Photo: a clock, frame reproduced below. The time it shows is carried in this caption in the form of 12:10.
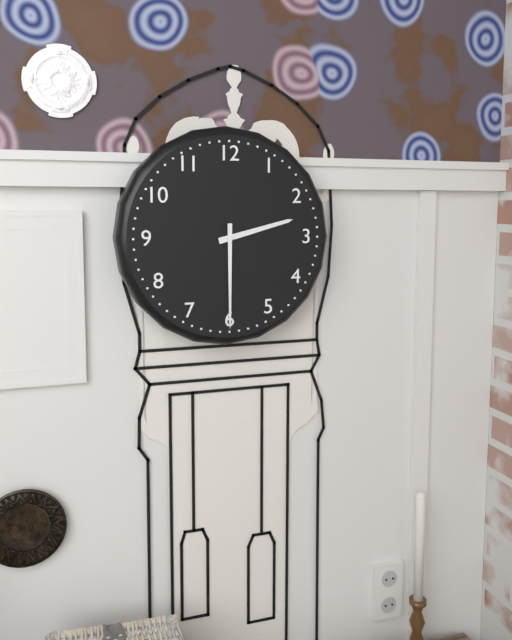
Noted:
2:30
